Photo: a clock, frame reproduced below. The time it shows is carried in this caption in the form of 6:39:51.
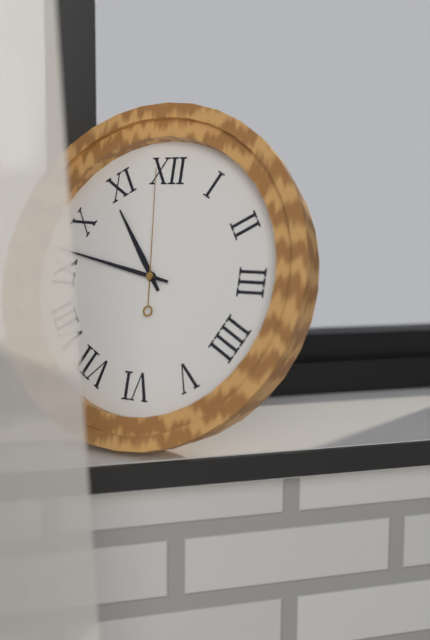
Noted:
10:47:59
